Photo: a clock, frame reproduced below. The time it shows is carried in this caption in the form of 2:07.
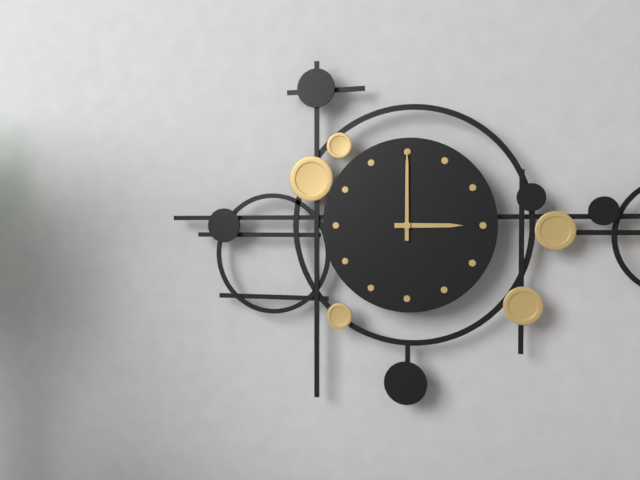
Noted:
3:00
